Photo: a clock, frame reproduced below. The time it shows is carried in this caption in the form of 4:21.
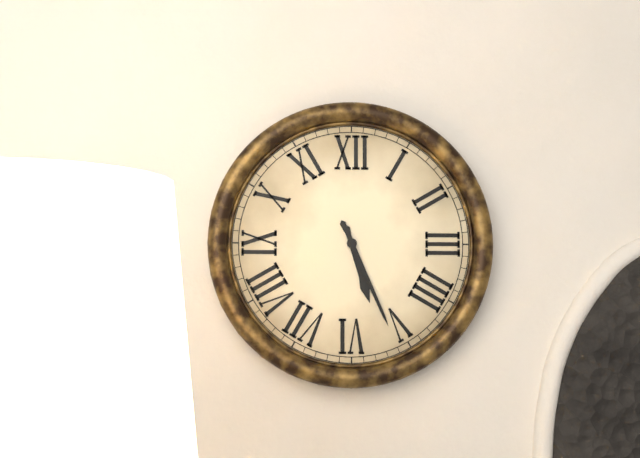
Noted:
5:26
